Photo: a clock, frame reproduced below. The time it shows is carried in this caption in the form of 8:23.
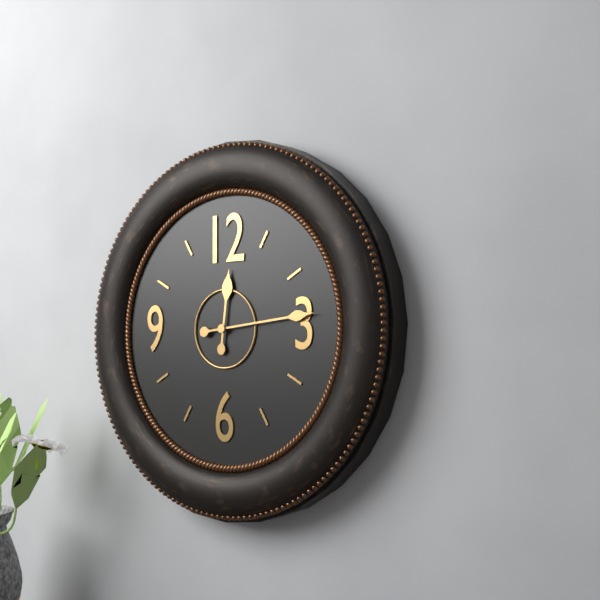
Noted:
12:14
